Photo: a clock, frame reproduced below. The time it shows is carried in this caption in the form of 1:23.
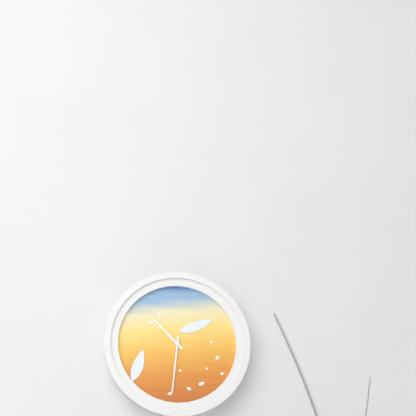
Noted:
10:31
